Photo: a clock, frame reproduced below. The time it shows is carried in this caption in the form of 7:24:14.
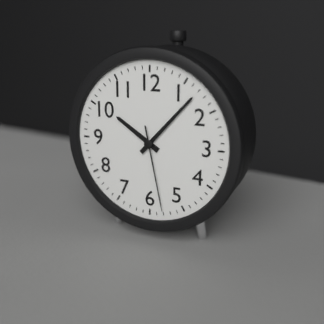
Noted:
10:07:28
